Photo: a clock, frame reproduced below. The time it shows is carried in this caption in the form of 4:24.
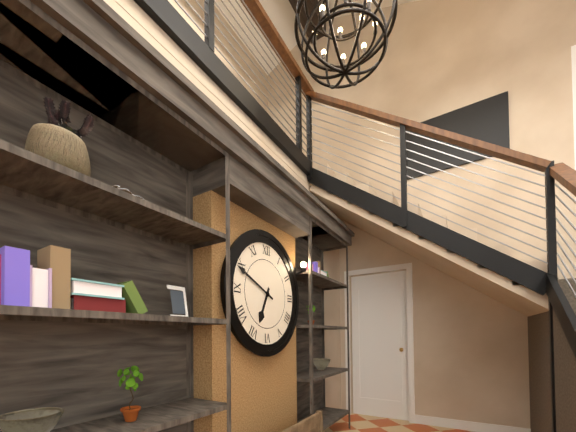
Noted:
6:49
